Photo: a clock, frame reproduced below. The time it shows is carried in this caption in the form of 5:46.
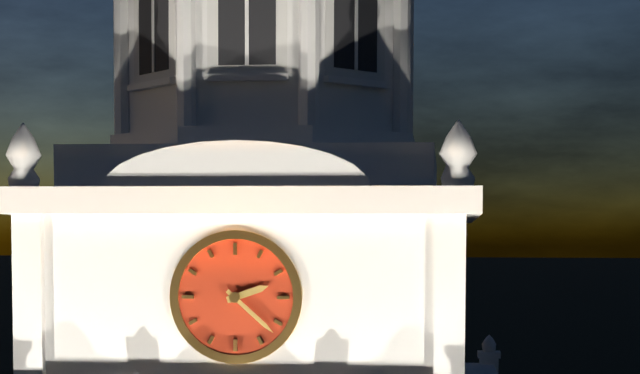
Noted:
2:22
